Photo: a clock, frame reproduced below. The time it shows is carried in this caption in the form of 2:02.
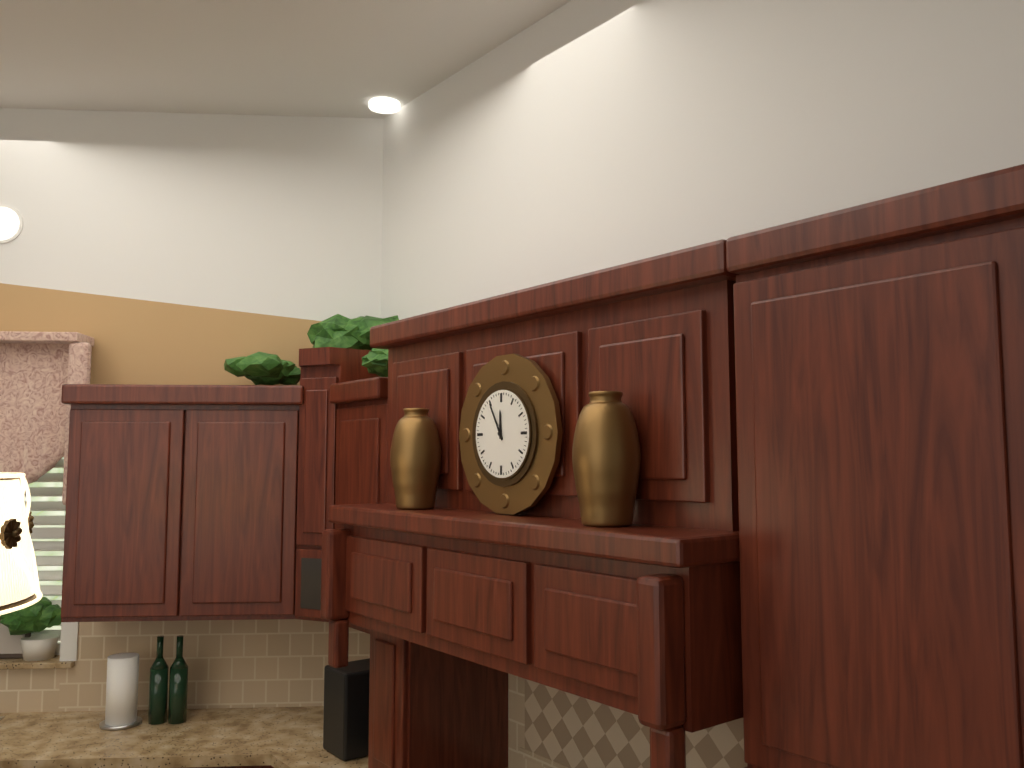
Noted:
11:55
